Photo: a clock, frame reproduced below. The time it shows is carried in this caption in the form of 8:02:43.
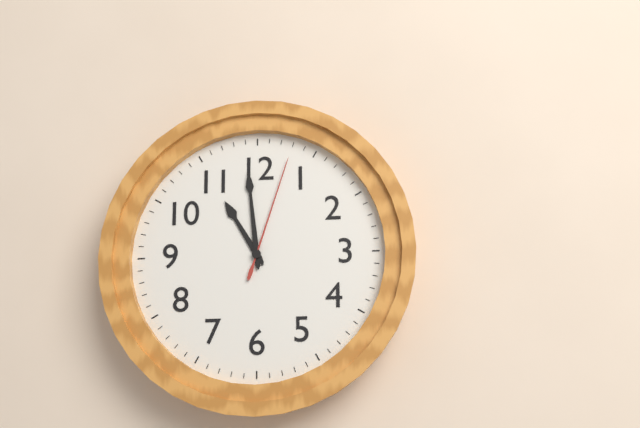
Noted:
10:59:03
